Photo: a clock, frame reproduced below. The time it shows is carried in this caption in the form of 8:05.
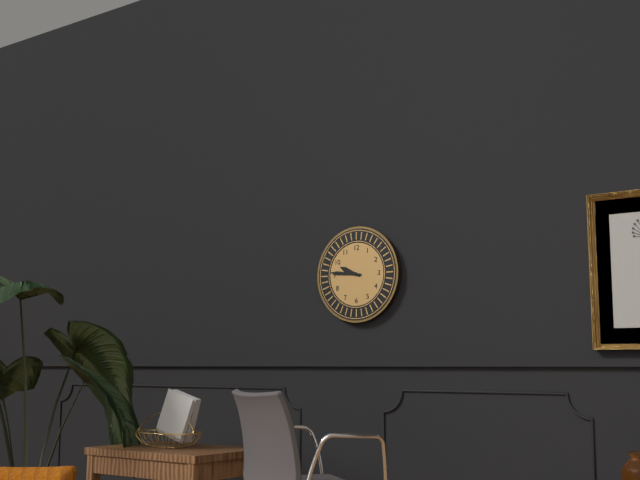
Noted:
9:46
